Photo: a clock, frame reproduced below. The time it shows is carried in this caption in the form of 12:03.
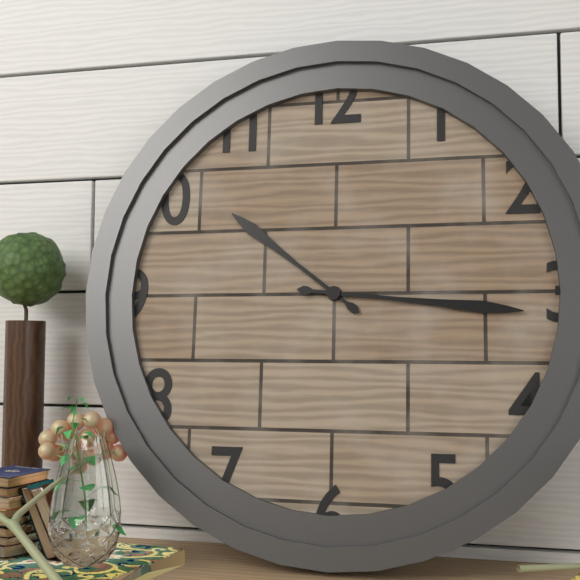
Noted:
10:16
